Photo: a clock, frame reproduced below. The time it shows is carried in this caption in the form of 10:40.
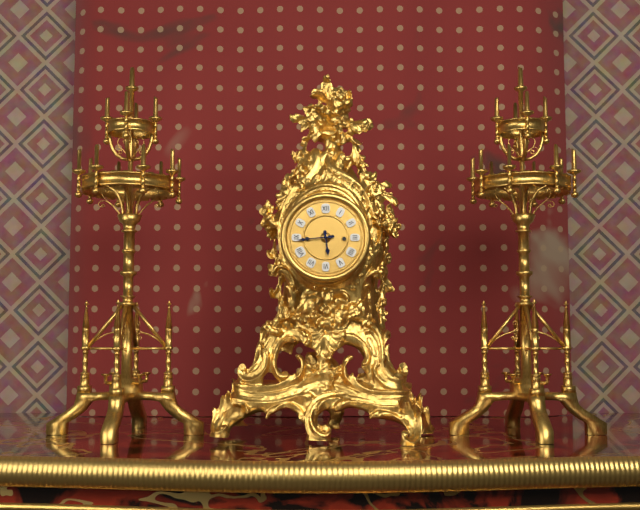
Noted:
5:44
